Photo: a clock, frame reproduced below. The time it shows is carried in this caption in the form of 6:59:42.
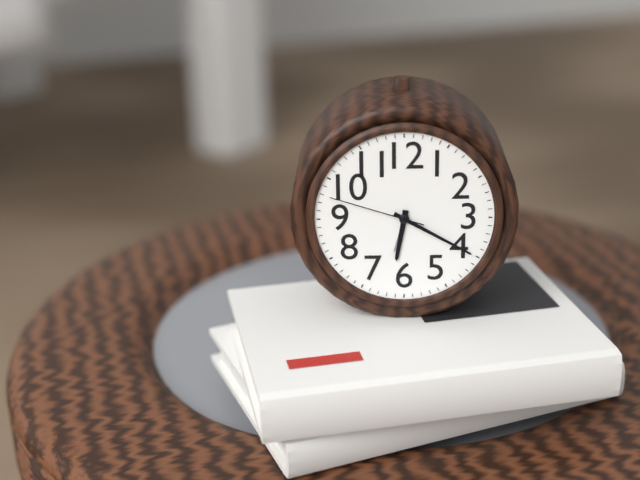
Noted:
6:20:48
